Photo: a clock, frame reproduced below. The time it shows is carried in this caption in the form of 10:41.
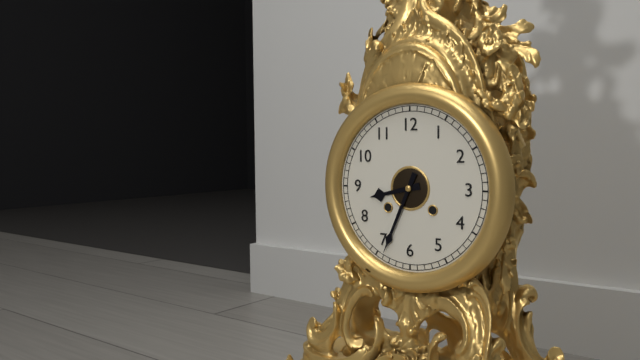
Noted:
8:34
